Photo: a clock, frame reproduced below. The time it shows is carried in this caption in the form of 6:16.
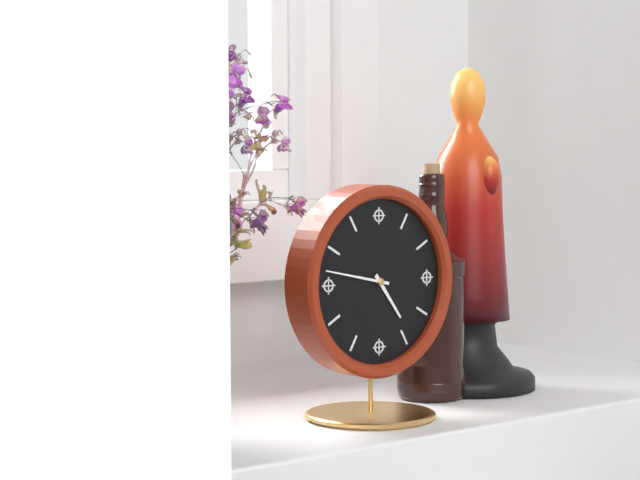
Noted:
4:47
